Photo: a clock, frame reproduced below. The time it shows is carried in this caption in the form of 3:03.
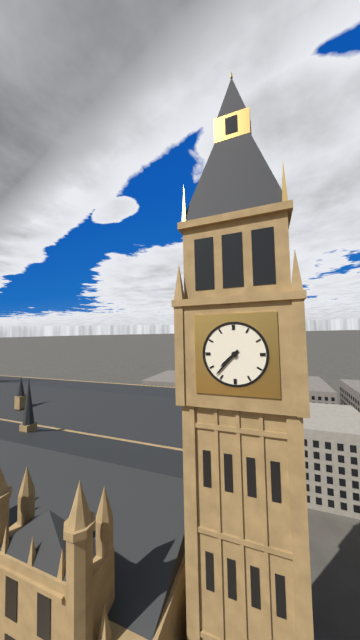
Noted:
7:37
